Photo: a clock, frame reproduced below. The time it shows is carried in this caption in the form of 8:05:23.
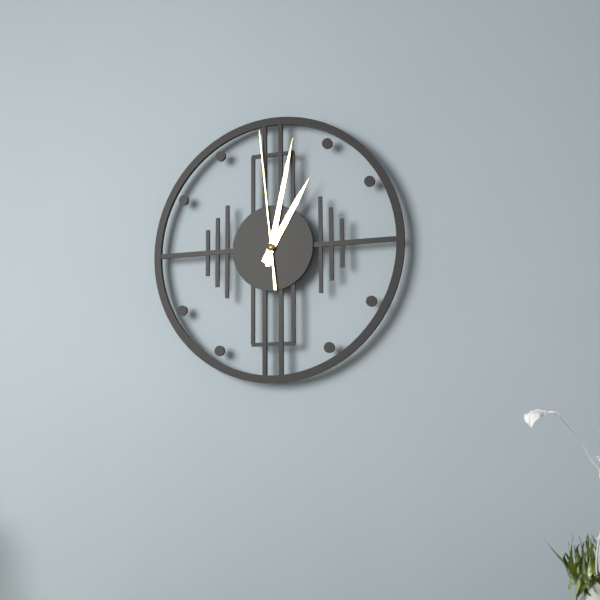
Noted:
1:02:59
